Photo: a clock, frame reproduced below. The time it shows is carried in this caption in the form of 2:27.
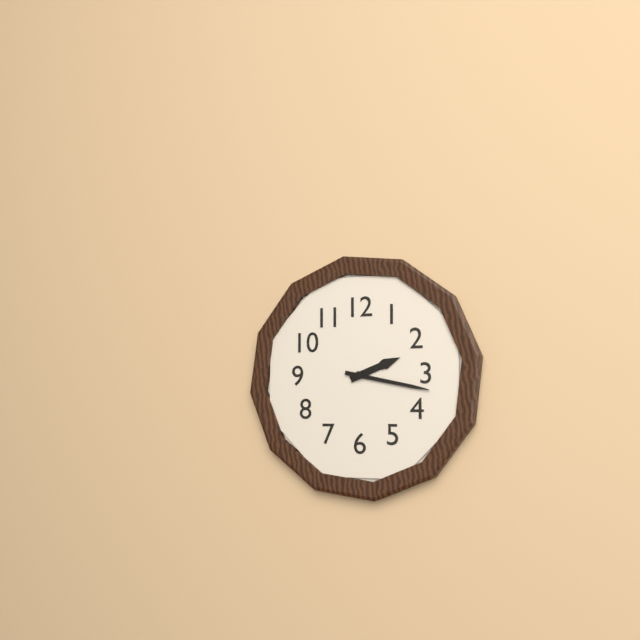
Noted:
2:17
